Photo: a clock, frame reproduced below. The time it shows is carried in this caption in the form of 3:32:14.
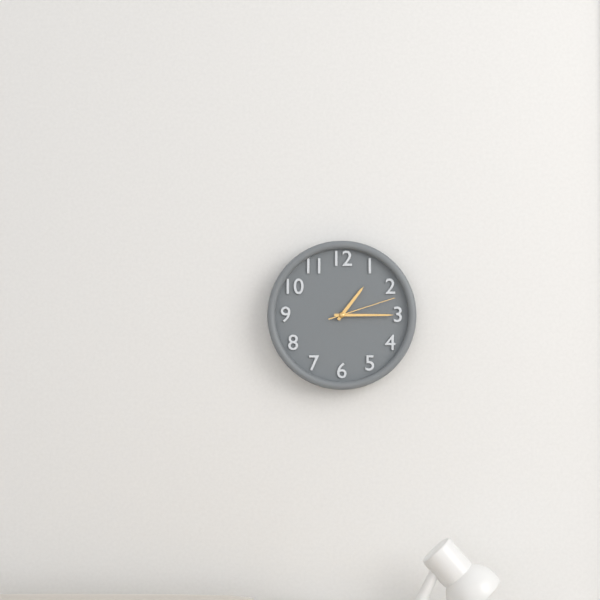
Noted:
1:15:12
